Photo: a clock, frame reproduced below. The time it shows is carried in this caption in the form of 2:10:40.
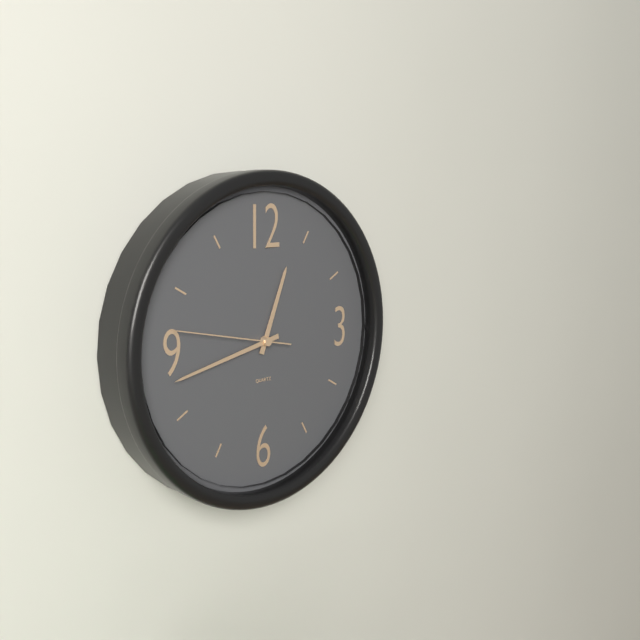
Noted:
12:43:47
